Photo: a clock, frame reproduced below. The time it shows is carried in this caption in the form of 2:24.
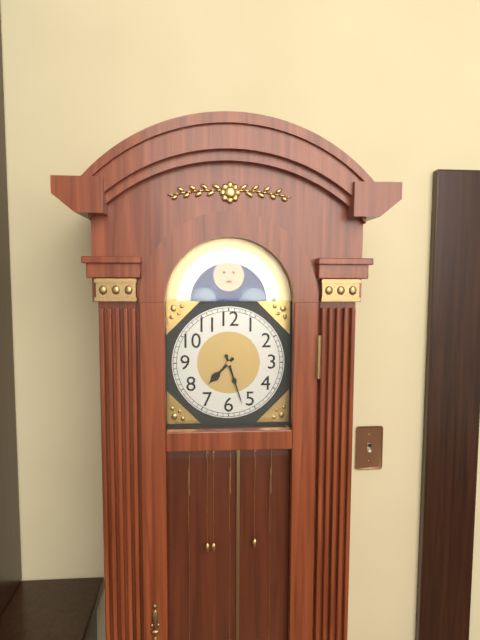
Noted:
7:27
